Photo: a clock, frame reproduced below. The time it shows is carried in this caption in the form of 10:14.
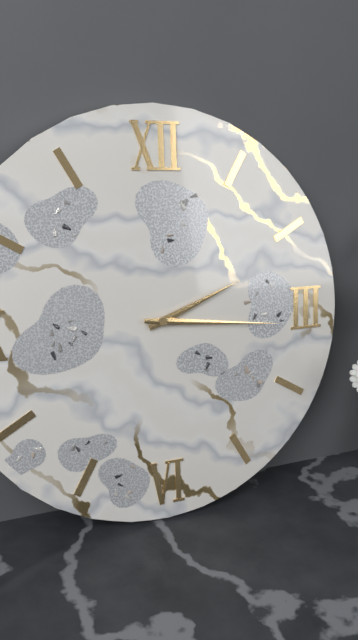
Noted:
2:16
